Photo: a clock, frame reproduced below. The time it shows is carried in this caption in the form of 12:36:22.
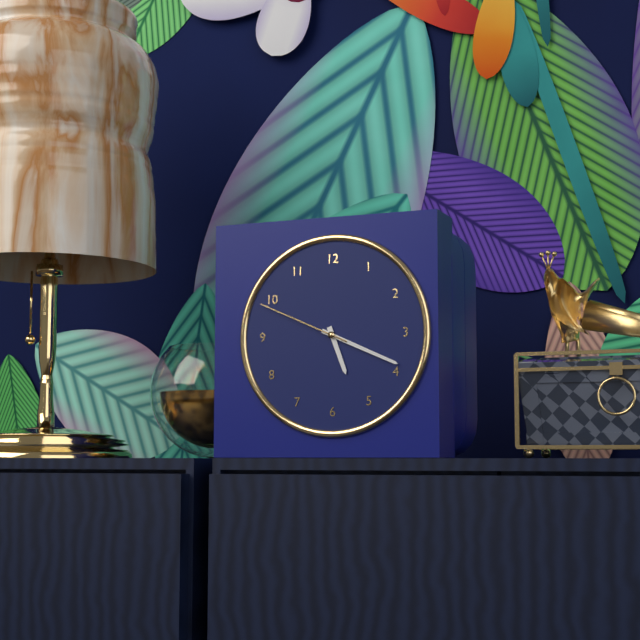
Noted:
5:19:49
